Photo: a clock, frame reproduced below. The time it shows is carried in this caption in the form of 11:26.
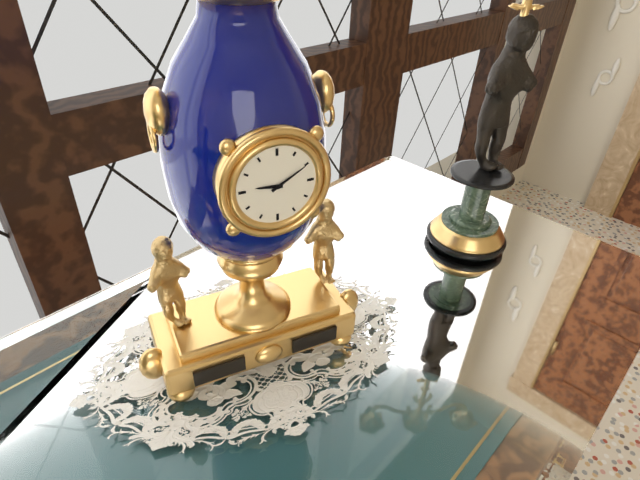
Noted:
9:10
